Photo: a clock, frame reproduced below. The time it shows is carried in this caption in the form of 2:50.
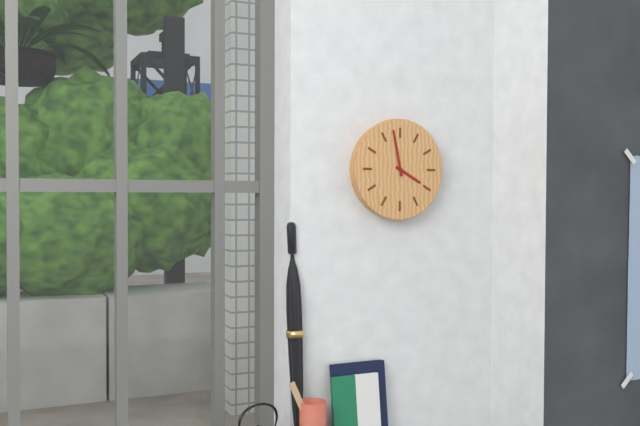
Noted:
3:58
